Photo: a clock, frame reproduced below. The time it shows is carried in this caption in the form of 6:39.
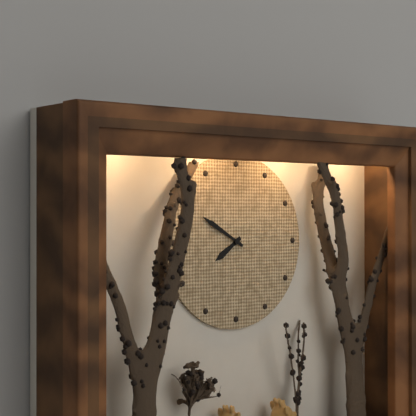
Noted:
7:50
